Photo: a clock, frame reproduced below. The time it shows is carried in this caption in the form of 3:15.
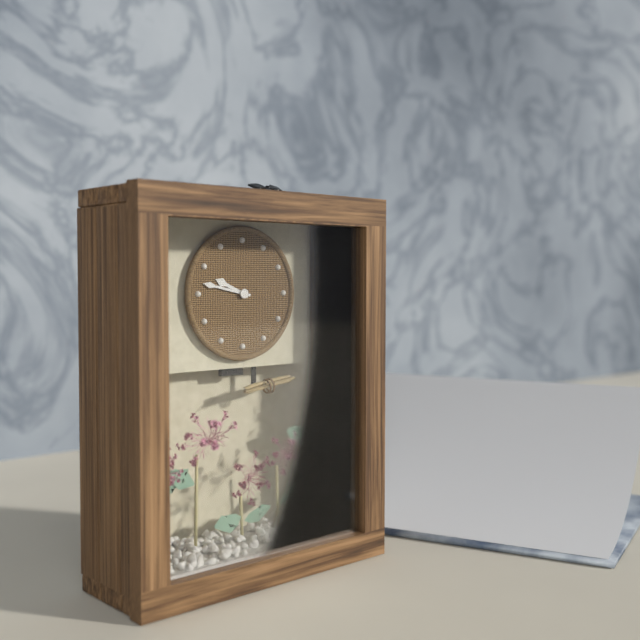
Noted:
9:47
